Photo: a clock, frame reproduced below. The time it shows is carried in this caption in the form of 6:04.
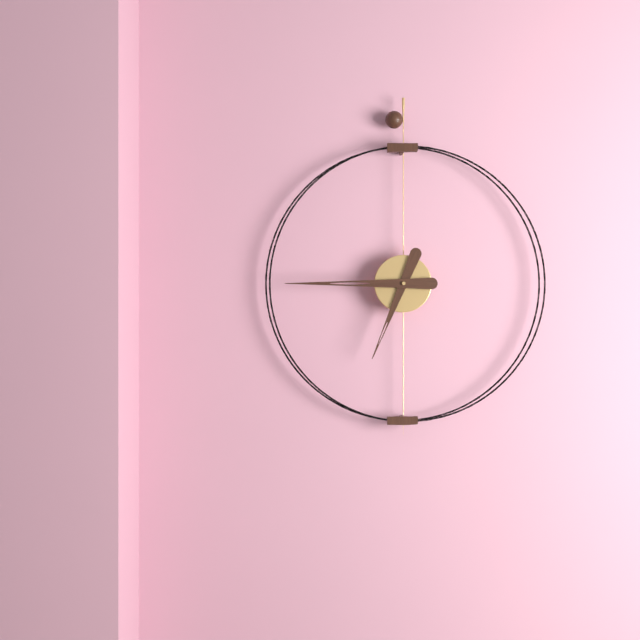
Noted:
6:45
